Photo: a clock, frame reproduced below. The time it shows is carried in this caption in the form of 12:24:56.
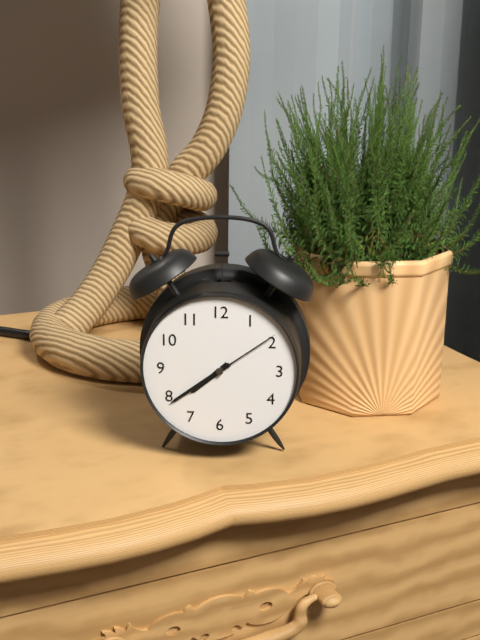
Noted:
7:39:09
